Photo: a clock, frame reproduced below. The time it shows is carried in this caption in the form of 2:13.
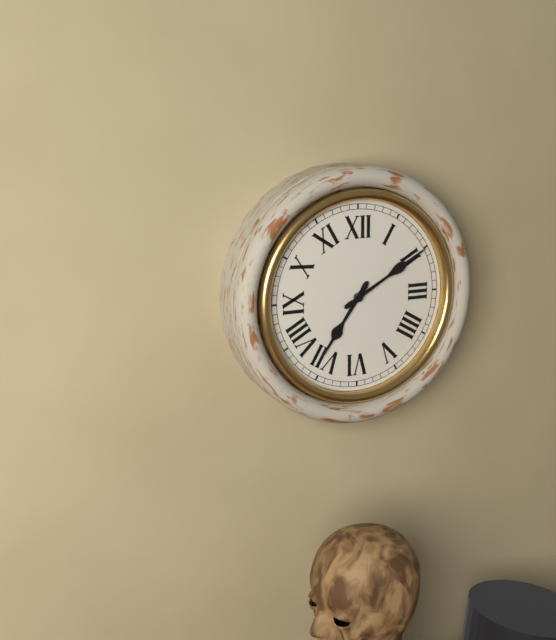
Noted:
7:10
